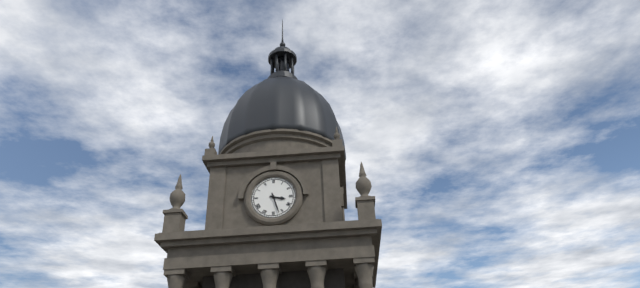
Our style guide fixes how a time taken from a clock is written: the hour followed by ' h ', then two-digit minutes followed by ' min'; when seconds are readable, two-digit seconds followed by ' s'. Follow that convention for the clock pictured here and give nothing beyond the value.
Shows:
3 h 27 min
